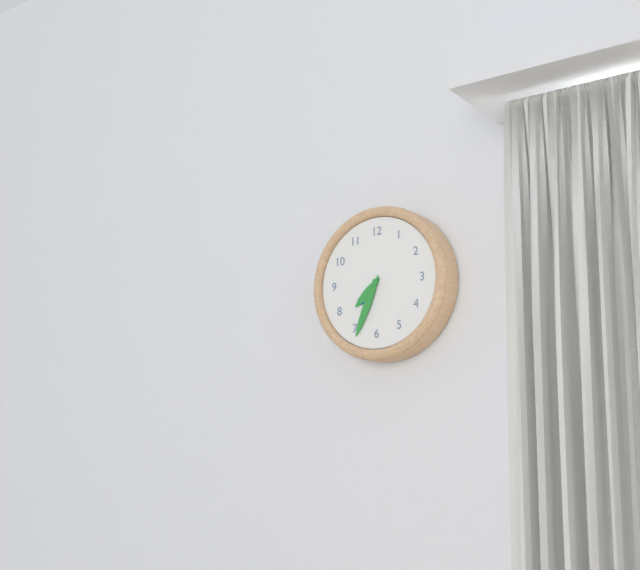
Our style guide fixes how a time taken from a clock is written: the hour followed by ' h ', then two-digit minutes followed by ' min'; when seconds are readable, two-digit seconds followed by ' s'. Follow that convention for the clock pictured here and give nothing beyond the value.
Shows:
7 h 34 min
